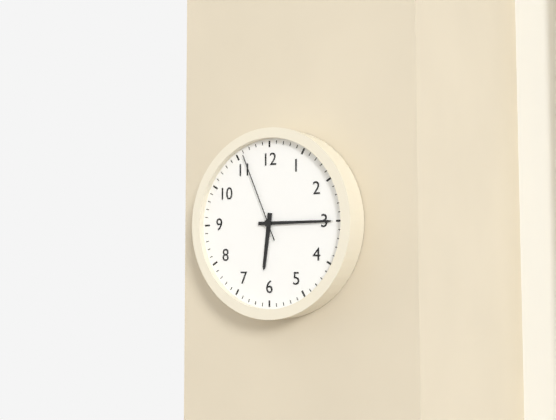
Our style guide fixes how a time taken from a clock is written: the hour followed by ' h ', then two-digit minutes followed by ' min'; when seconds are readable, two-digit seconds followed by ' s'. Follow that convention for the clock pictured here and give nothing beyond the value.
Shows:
6 h 15 min 56 s
